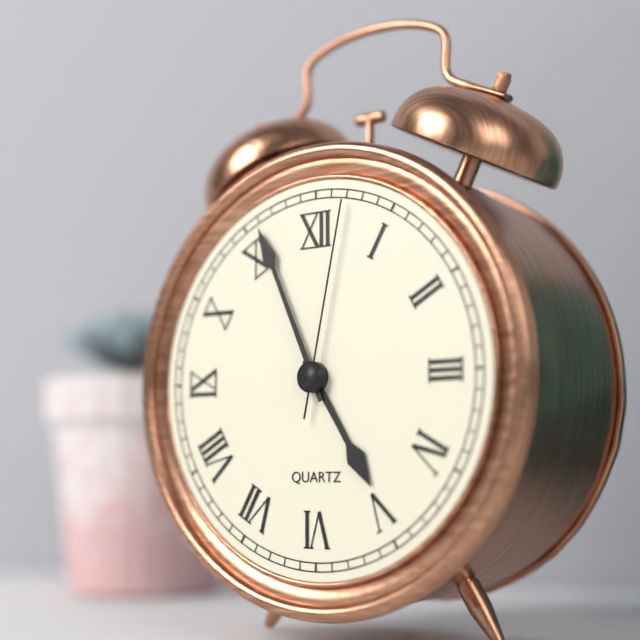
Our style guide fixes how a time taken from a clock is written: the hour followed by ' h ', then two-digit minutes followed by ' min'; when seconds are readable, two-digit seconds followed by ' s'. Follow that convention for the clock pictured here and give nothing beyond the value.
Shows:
4 h 56 min 02 s
